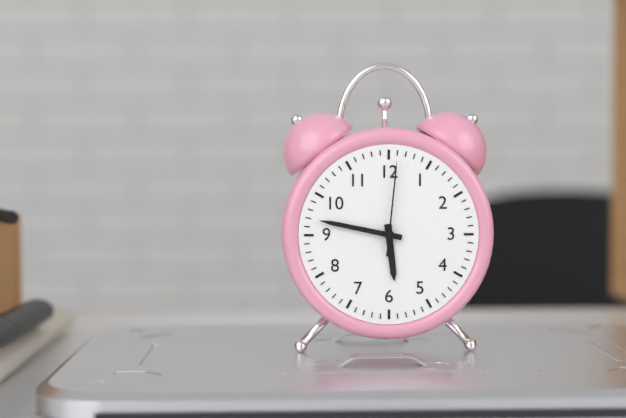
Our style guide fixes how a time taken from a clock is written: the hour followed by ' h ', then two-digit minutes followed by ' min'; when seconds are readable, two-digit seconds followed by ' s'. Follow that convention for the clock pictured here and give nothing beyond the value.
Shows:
5 h 47 min 01 s
